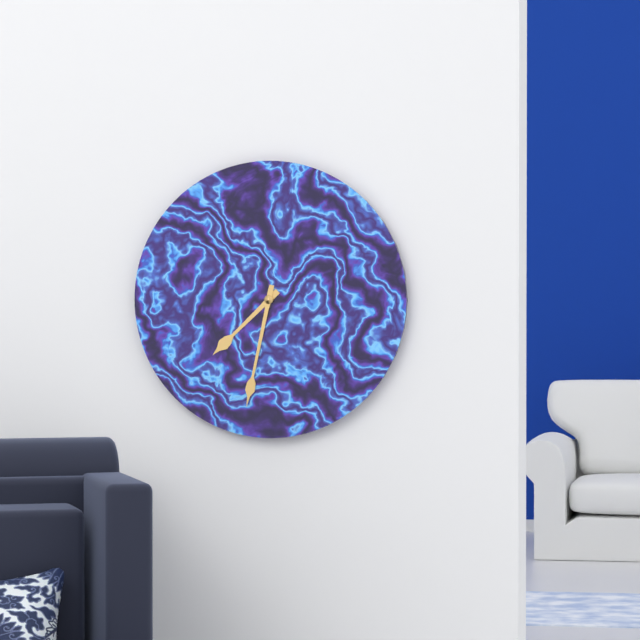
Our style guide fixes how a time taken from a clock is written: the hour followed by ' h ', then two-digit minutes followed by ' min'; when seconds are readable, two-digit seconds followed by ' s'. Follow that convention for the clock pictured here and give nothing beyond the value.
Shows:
7 h 32 min
